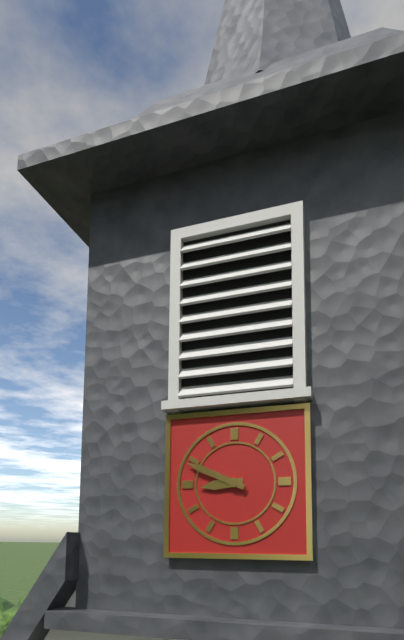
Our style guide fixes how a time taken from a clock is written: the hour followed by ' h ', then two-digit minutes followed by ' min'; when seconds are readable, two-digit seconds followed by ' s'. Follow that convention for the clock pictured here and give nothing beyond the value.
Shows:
8 h 49 min
